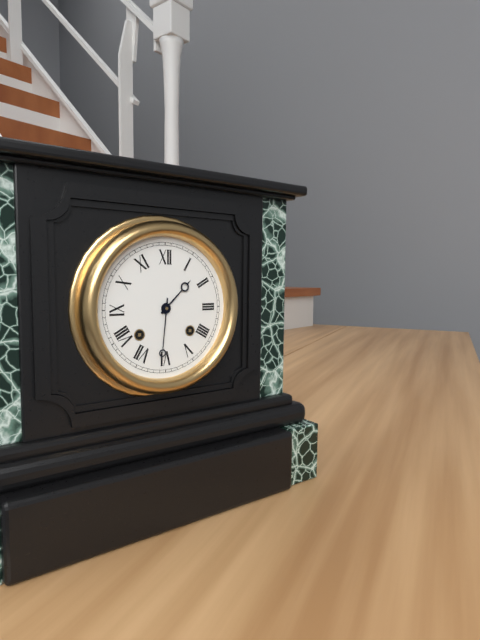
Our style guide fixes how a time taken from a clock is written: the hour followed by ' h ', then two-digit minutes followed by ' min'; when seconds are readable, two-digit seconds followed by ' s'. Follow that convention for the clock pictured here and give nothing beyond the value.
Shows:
1 h 31 min
